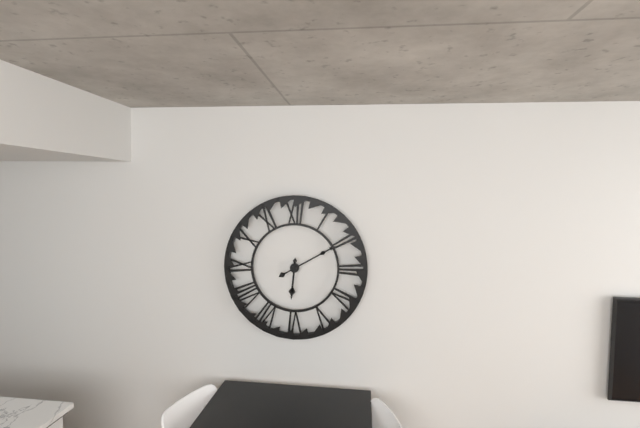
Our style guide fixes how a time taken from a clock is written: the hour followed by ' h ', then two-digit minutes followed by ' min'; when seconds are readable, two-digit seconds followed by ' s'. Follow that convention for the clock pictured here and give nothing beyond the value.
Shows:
6 h 10 min
